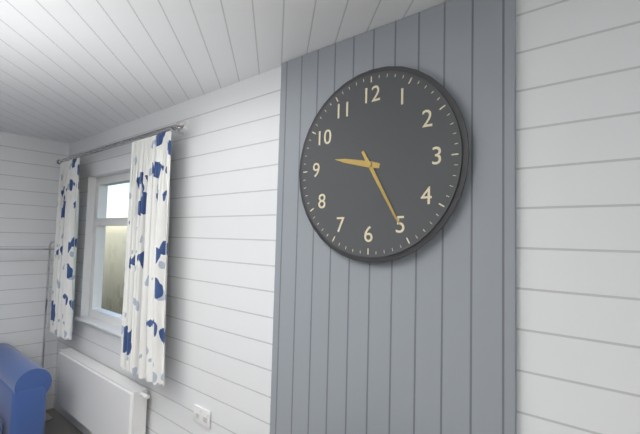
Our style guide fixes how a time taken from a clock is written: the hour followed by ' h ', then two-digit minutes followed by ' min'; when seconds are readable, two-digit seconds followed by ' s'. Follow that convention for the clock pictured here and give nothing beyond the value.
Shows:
9 h 25 min
